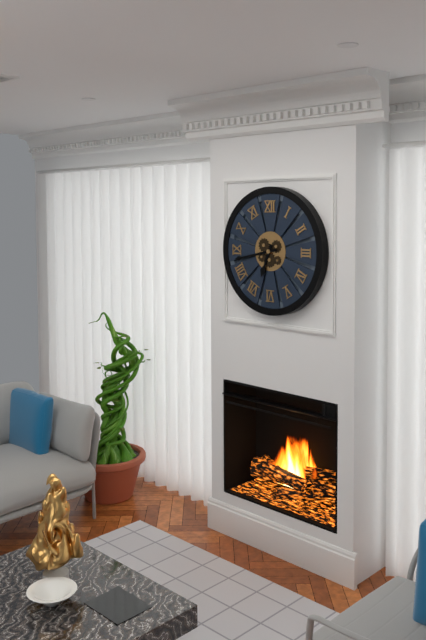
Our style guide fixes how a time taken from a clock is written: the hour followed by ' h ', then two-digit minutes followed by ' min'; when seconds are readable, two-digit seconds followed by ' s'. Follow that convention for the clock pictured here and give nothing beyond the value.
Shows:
6 h 43 min
